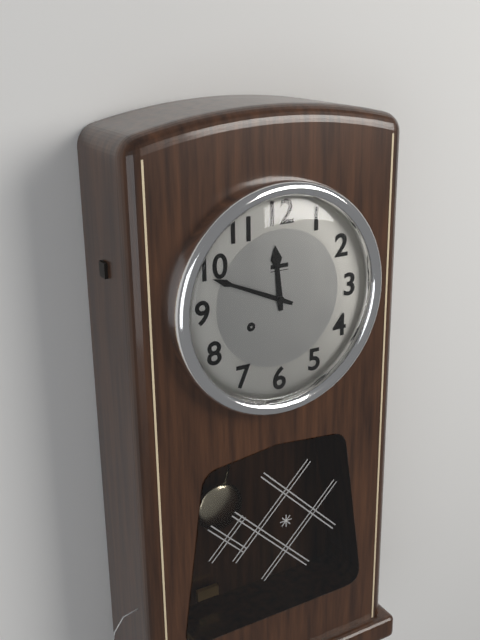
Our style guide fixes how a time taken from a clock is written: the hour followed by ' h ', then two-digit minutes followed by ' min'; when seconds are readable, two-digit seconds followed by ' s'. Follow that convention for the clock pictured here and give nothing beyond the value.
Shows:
11 h 49 min
